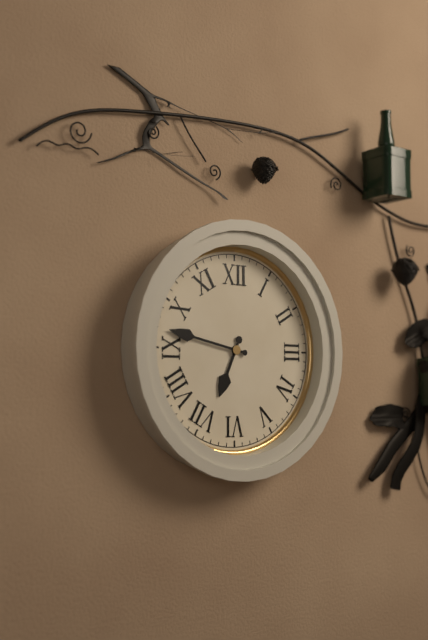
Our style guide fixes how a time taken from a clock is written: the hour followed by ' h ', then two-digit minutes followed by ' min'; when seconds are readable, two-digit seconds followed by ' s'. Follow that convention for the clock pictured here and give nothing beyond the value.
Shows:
6 h 47 min
